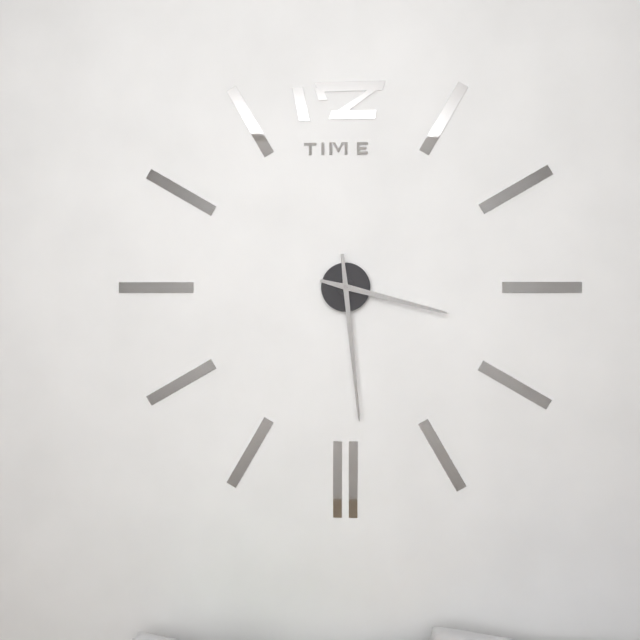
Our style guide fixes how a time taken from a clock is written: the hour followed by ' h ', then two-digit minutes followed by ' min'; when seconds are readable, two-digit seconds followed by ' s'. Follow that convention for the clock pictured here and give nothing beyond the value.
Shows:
3 h 29 min
